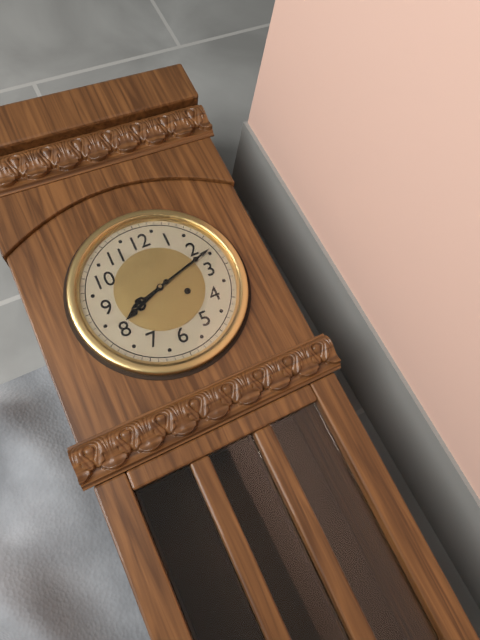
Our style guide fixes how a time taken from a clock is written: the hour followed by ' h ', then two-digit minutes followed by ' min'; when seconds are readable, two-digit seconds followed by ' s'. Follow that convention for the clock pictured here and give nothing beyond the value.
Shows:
8 h 12 min
